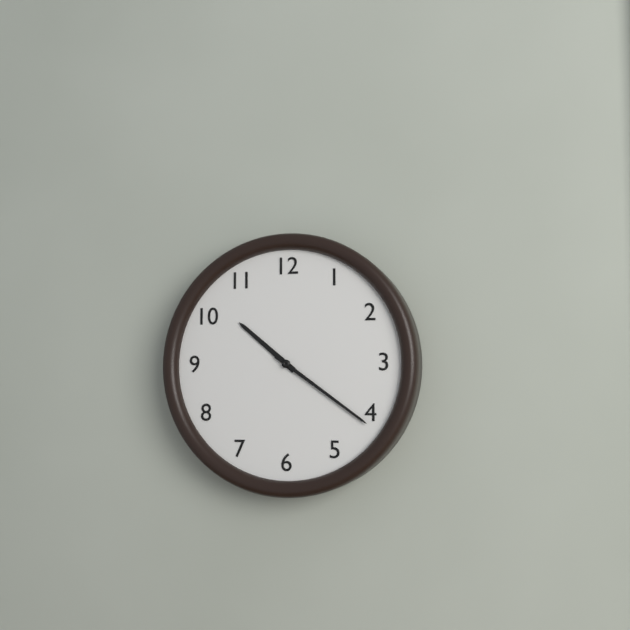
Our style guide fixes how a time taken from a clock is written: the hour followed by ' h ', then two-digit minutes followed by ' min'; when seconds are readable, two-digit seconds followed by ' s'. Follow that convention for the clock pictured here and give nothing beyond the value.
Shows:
10 h 21 min
